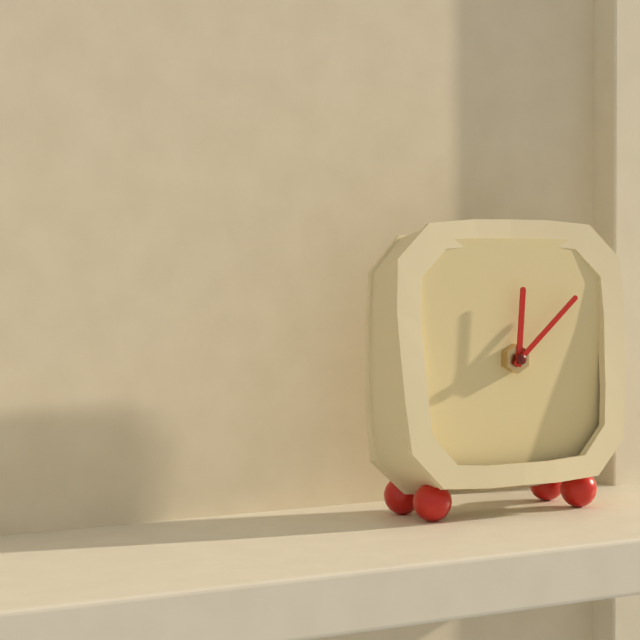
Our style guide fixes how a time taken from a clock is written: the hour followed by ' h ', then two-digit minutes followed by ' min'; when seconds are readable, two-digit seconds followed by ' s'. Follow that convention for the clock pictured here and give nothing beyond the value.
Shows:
12 h 08 min
